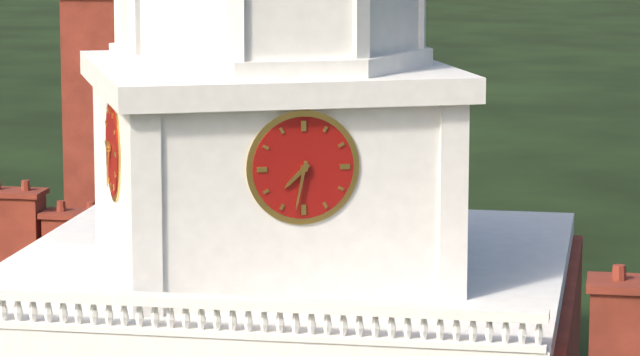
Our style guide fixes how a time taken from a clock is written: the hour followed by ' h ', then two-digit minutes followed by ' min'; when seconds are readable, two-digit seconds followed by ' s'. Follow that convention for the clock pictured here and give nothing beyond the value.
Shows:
7 h 32 min
